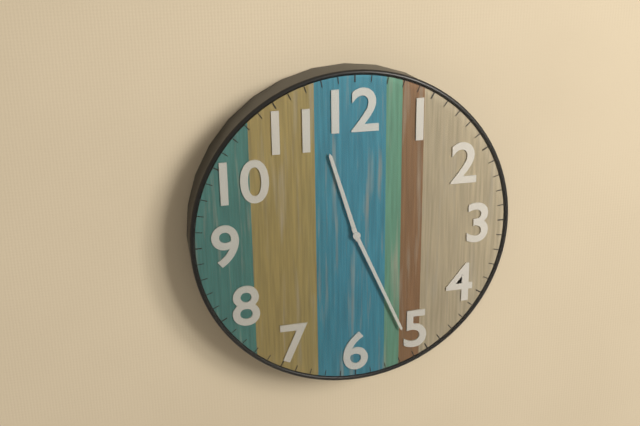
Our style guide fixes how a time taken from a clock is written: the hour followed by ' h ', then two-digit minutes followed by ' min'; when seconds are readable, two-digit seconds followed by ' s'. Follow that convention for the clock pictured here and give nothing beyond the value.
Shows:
11 h 26 min
